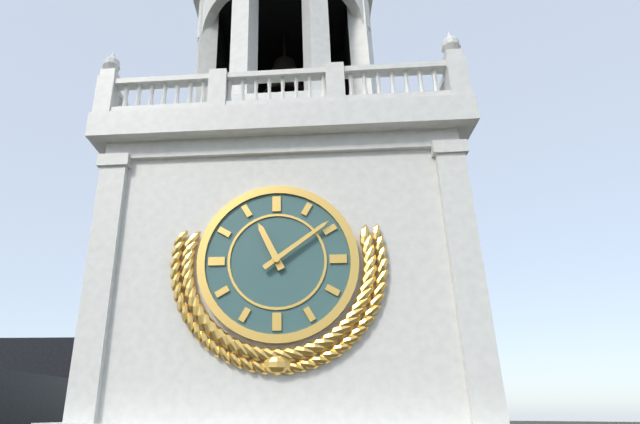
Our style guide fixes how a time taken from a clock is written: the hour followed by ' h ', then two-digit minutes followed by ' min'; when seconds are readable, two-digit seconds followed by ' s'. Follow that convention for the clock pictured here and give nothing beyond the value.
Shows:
11 h 09 min
